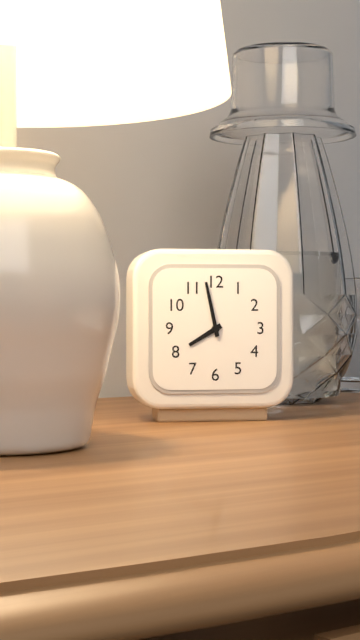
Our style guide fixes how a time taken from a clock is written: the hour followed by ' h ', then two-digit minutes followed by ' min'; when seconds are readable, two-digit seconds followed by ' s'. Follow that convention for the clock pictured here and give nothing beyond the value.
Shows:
7 h 58 min
